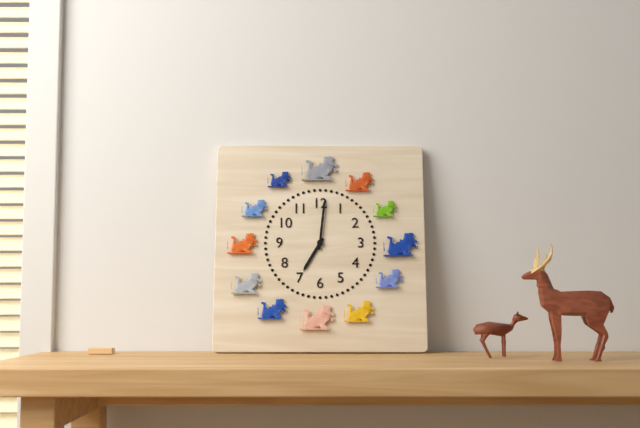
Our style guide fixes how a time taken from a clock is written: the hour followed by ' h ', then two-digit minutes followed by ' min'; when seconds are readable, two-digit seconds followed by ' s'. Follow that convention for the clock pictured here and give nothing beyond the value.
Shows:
7 h 01 min
